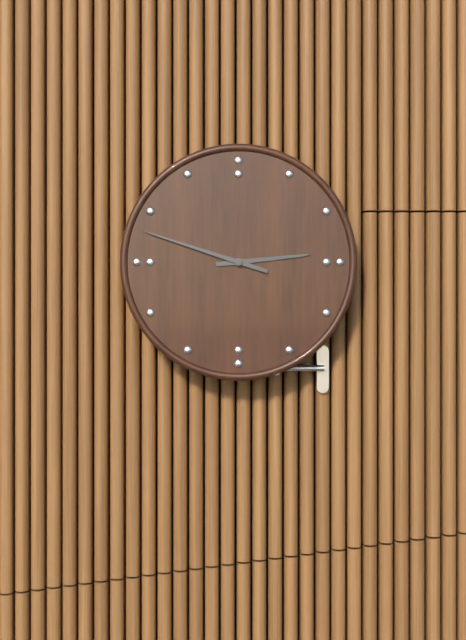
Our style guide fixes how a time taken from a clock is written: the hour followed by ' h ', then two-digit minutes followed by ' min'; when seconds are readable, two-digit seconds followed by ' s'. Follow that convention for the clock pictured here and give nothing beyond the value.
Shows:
2 h 48 min
